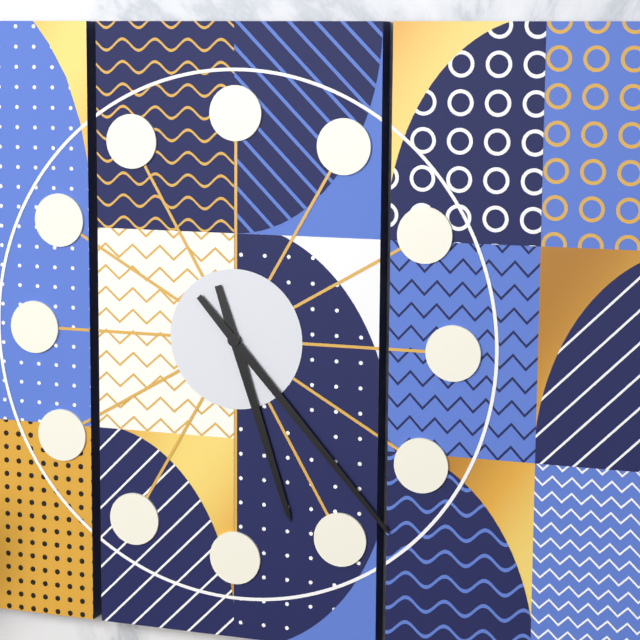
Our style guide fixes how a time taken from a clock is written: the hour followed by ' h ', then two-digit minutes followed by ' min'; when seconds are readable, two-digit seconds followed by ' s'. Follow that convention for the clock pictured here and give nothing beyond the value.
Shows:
5 h 23 min
